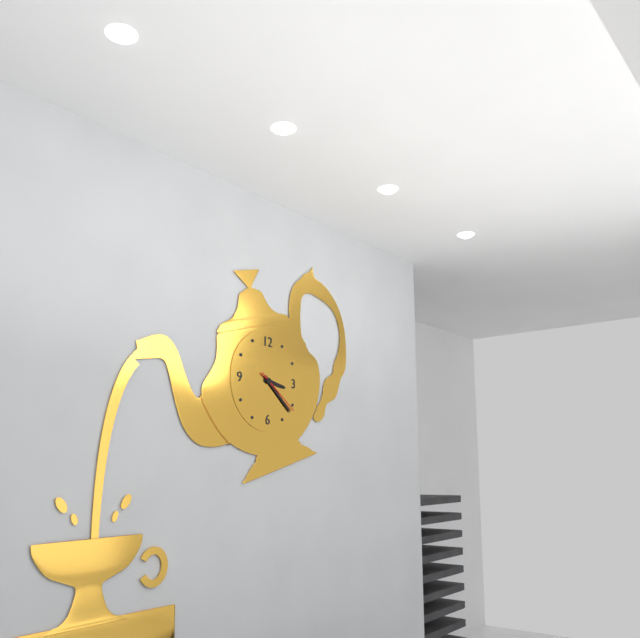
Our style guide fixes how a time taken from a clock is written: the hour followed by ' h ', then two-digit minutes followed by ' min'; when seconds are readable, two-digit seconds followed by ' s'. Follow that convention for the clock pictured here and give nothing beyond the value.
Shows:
3 h 22 min
